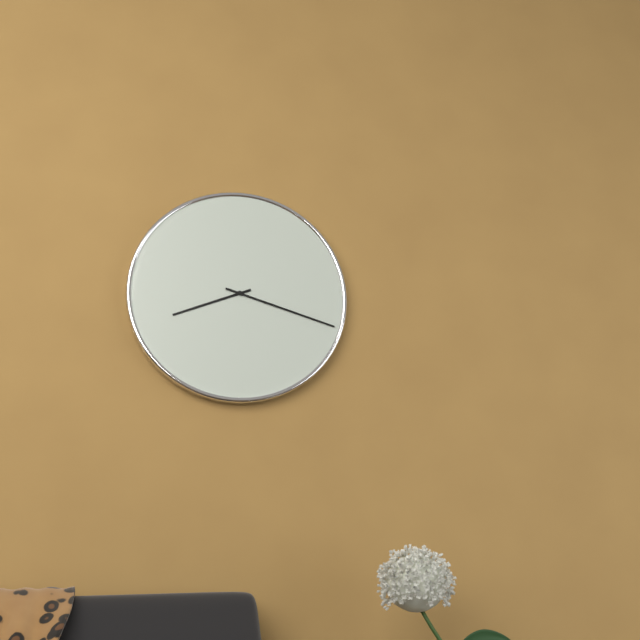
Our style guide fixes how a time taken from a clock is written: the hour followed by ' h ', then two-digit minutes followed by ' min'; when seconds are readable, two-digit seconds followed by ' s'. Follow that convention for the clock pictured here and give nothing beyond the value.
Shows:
8 h 18 min
